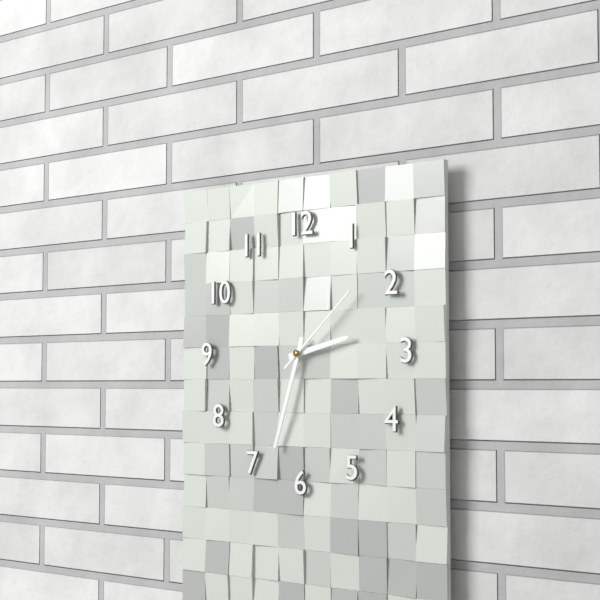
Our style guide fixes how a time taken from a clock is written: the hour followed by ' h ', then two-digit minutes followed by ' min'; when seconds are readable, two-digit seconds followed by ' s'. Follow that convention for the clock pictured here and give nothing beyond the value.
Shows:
2 h 33 min 08 s
